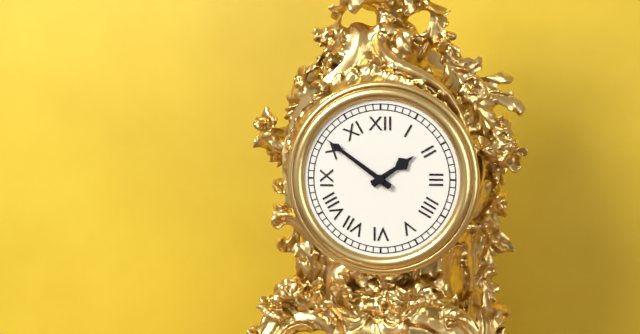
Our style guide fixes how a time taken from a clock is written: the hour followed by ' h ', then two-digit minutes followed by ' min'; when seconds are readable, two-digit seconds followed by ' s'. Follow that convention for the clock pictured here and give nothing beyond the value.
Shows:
1 h 51 min
